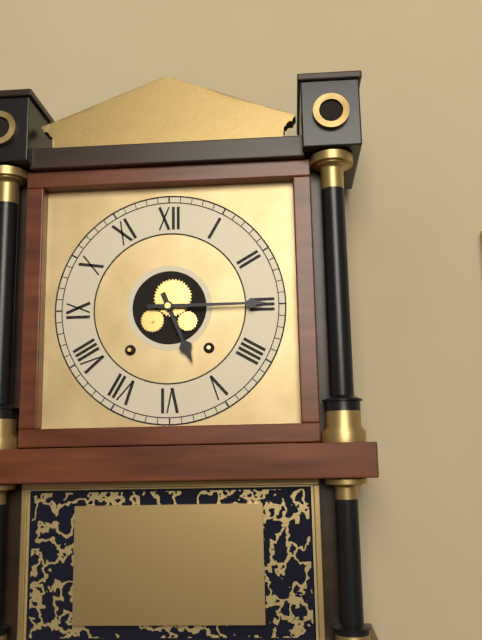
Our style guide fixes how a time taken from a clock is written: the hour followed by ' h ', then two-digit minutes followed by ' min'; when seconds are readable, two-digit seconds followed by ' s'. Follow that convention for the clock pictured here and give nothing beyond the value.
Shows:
5 h 15 min
